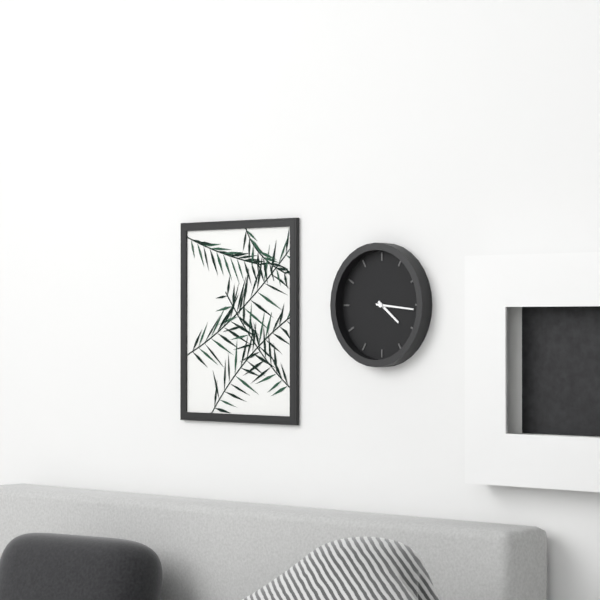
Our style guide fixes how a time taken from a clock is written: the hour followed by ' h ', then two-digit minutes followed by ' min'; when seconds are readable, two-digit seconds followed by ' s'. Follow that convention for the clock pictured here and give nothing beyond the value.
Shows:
4 h 16 min
